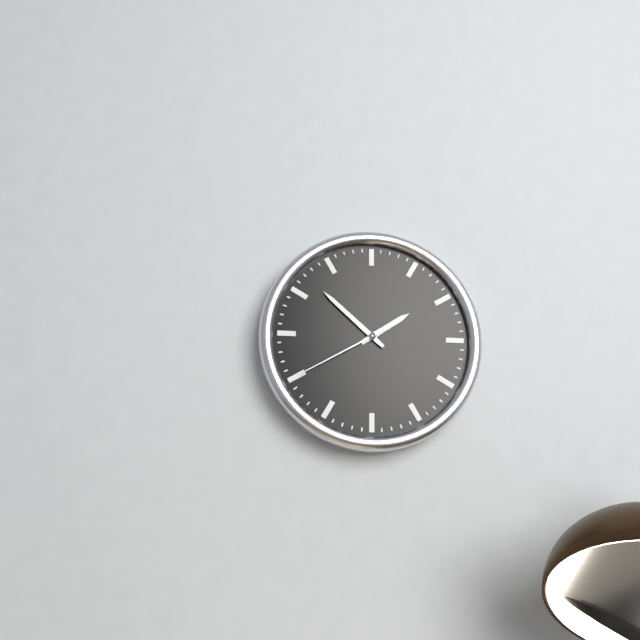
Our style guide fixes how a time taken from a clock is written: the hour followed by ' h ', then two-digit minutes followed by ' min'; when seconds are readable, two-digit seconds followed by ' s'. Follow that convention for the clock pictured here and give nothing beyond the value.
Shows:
1 h 52 min 40 s
